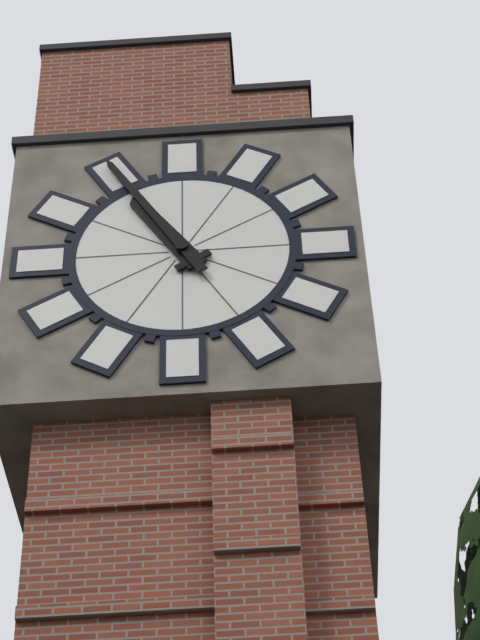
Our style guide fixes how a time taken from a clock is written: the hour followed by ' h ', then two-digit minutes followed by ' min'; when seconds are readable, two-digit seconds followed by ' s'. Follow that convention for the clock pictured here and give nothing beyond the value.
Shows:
10 h 55 min
